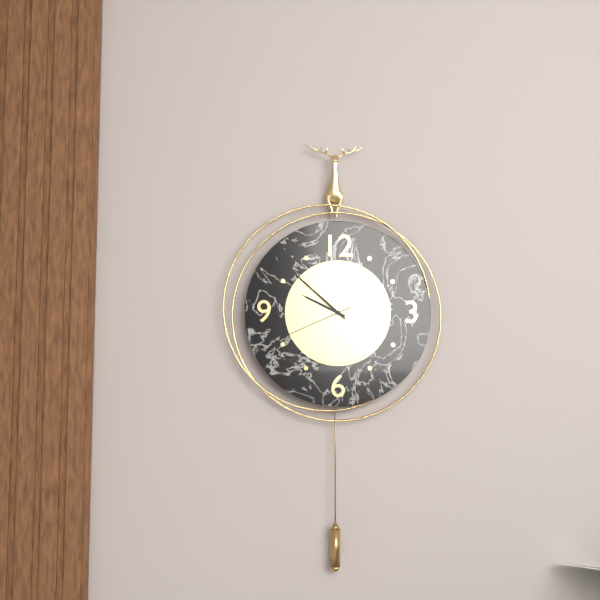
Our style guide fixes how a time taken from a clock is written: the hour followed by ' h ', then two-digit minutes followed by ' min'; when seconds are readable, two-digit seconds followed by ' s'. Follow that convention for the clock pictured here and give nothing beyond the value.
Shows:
9 h 52 min 41 s
